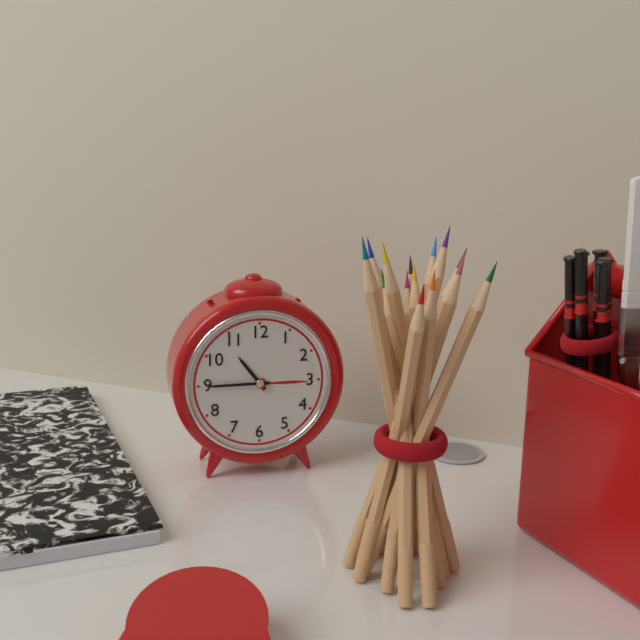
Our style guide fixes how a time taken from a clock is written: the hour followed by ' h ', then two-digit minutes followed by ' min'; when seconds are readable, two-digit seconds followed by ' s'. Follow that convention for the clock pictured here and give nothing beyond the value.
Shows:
10 h 45 min
